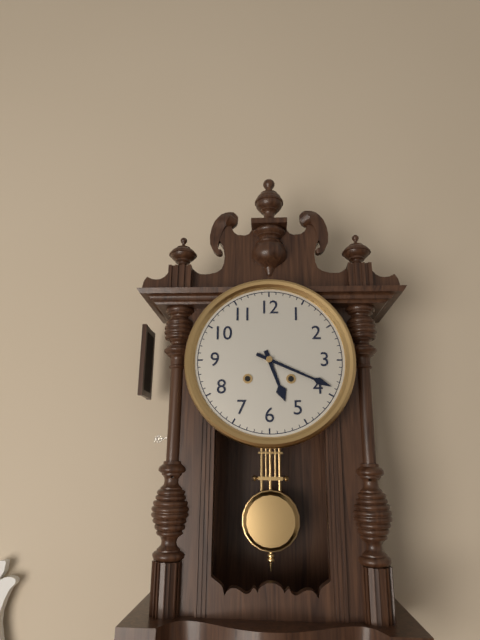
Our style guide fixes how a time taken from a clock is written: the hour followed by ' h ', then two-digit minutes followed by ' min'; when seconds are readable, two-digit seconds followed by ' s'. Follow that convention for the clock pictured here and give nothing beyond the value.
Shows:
5 h 19 min
